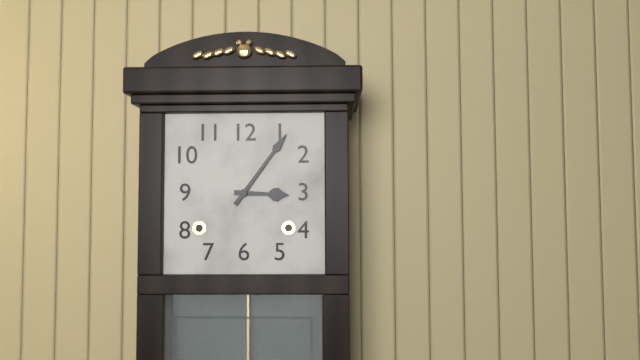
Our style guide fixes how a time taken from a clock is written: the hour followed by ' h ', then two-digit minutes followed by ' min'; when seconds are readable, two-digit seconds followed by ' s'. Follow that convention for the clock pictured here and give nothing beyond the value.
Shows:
3 h 06 min
